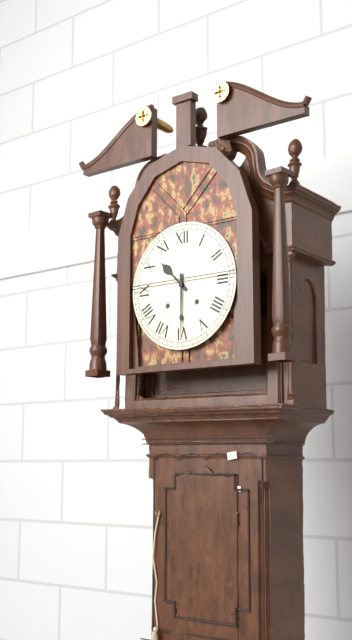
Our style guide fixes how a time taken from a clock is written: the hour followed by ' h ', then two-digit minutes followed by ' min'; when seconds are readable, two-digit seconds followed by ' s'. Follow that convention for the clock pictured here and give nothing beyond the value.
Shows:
10 h 30 min
